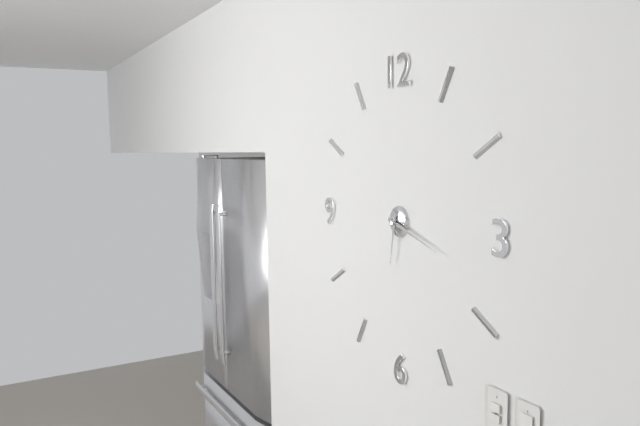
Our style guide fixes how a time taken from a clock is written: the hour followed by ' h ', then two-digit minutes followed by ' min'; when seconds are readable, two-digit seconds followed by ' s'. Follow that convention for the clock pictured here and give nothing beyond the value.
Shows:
6 h 18 min
